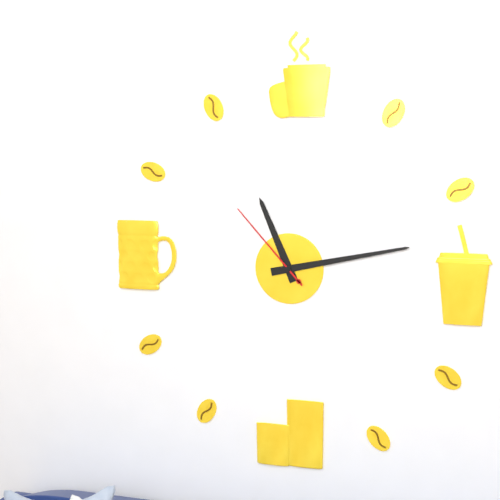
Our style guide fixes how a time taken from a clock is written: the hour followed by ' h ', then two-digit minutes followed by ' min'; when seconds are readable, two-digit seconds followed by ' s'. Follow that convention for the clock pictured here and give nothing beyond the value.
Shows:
11 h 13 min 53 s
